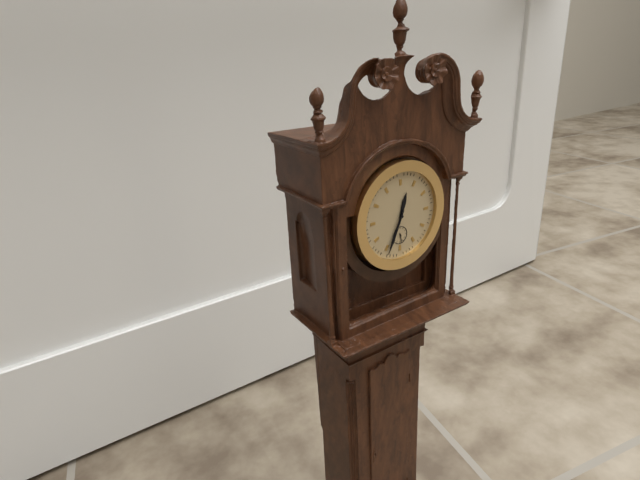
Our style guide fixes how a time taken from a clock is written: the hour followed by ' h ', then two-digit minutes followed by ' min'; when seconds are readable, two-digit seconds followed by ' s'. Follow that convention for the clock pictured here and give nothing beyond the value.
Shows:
12 h 34 min
